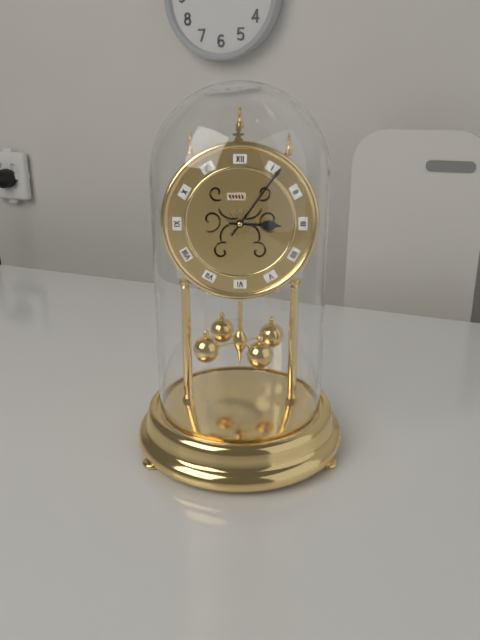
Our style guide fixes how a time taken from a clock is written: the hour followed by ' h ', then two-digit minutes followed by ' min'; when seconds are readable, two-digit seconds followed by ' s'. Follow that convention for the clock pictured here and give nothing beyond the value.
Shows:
3 h 06 min
